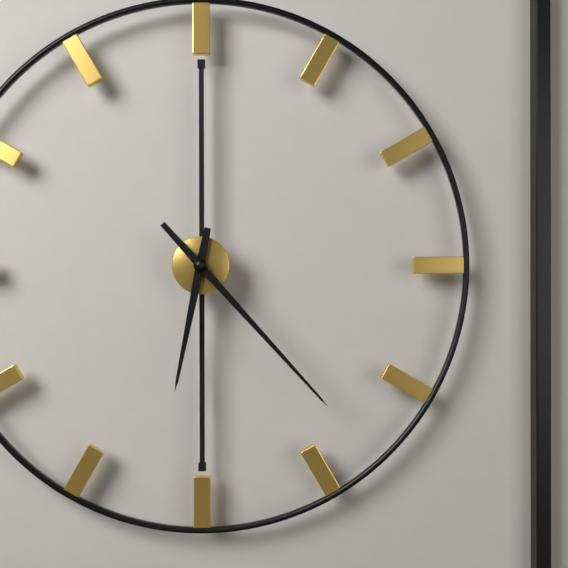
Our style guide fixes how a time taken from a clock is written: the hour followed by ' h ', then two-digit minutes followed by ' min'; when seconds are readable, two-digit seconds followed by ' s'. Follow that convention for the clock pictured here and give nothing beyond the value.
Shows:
6 h 23 min
